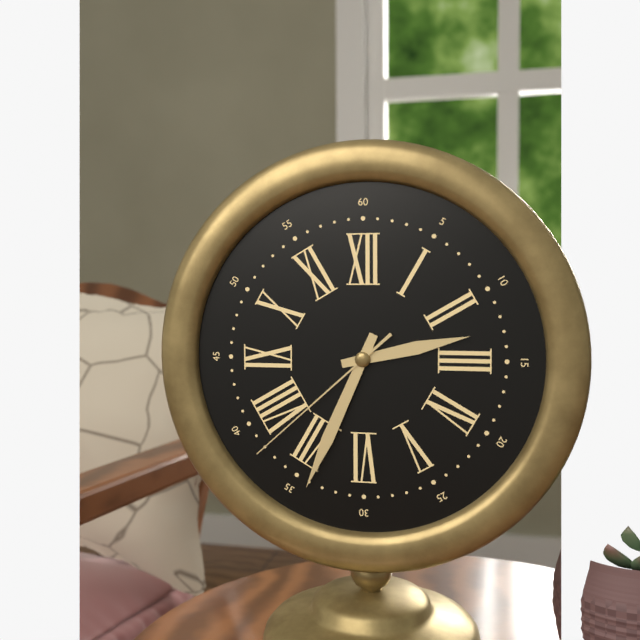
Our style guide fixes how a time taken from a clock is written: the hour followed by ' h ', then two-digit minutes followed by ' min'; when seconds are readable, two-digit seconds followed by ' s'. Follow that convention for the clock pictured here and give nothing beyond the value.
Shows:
2 h 34 min 38 s
